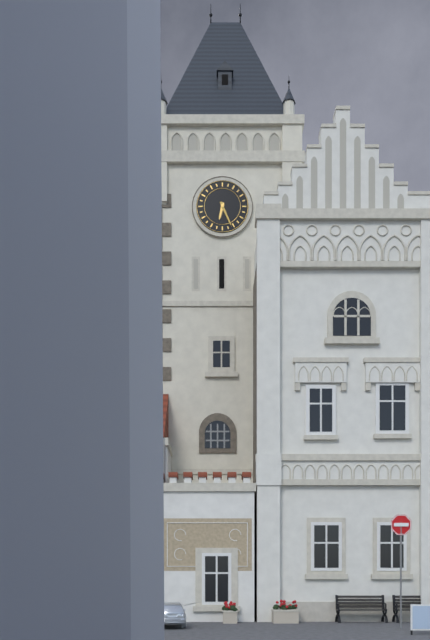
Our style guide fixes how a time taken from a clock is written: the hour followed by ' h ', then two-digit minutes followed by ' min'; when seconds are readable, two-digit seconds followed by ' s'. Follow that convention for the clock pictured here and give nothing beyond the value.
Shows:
6 h 26 min
